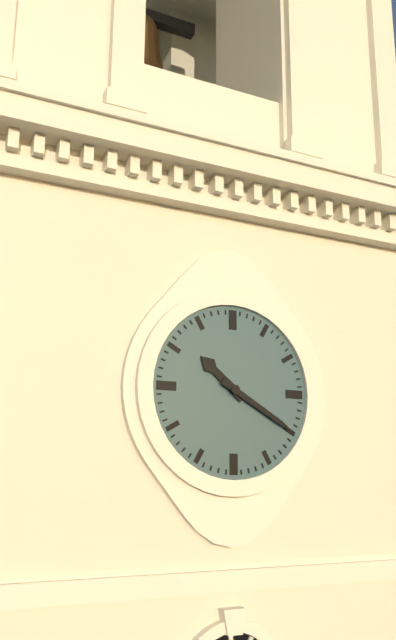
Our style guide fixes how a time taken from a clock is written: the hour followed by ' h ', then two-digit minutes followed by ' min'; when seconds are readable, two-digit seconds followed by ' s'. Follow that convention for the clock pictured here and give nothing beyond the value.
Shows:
10 h 20 min
